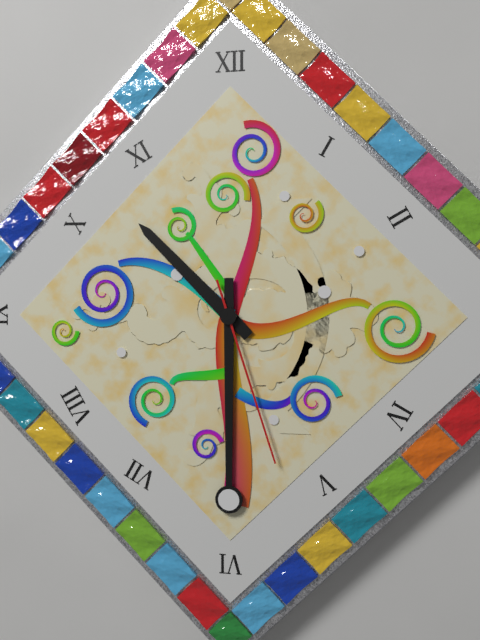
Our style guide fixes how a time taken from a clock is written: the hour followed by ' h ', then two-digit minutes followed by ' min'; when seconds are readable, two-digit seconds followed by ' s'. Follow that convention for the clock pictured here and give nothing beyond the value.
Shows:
10 h 30 min 27 s
